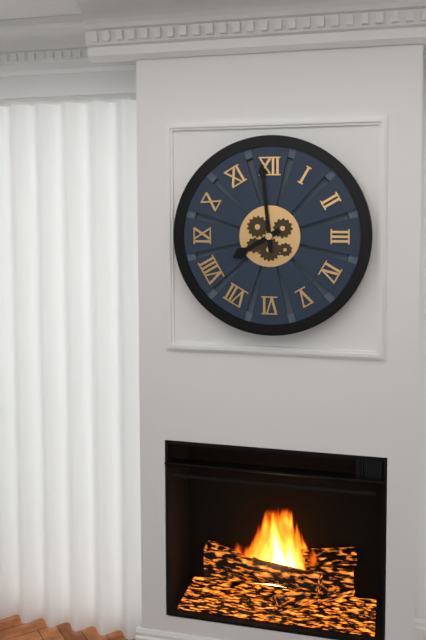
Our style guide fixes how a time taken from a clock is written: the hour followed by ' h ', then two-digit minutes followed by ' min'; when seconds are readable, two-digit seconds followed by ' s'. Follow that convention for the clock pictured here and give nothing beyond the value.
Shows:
7 h 59 min
